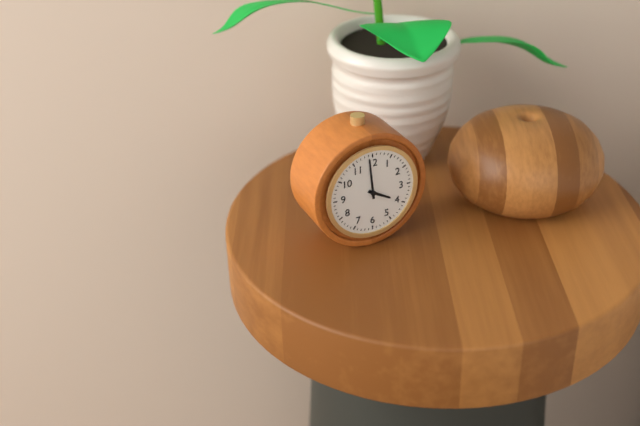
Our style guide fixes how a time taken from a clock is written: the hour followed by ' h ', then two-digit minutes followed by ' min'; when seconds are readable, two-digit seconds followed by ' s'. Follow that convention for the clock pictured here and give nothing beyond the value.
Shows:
3 h 59 min
